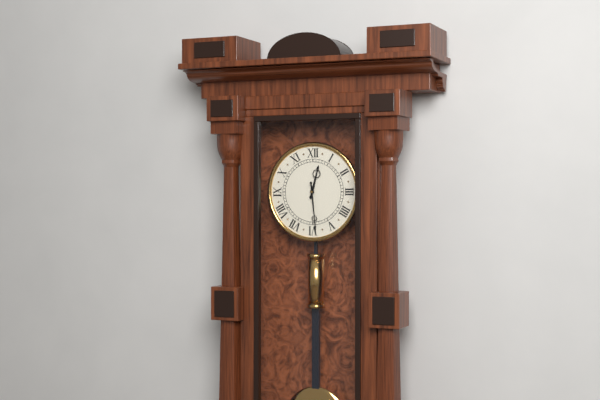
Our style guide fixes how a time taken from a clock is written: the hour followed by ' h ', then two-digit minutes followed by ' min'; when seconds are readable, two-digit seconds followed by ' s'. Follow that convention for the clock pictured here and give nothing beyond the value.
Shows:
12 h 29 min
